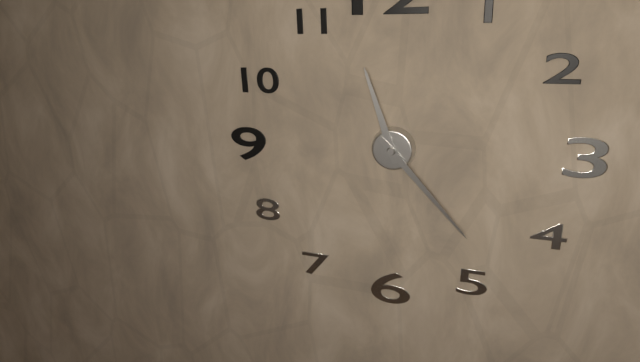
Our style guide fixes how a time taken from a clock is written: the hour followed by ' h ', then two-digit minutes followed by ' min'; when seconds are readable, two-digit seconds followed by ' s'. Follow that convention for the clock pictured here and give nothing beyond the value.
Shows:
11 h 23 min
